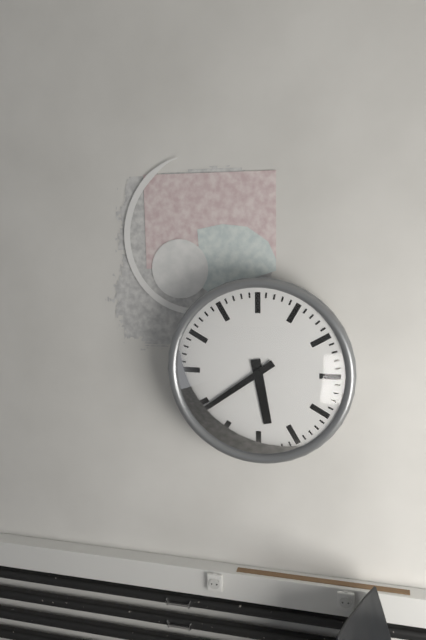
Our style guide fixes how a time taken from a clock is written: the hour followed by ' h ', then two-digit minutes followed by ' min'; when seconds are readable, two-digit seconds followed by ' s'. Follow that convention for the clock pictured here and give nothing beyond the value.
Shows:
5 h 39 min
